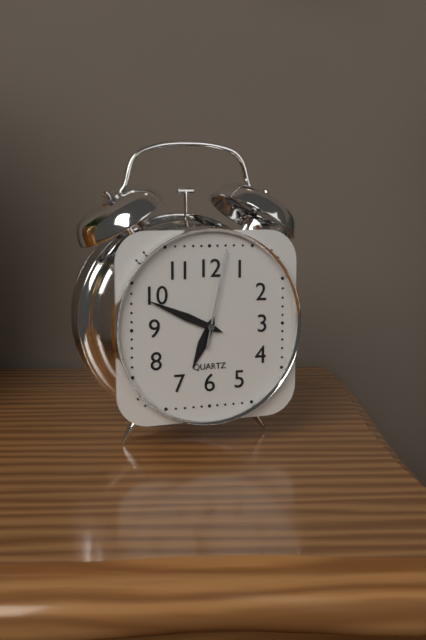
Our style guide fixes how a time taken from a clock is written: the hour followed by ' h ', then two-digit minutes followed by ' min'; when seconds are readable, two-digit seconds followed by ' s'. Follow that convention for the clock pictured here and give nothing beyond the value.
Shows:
6 h 49 min 02 s
